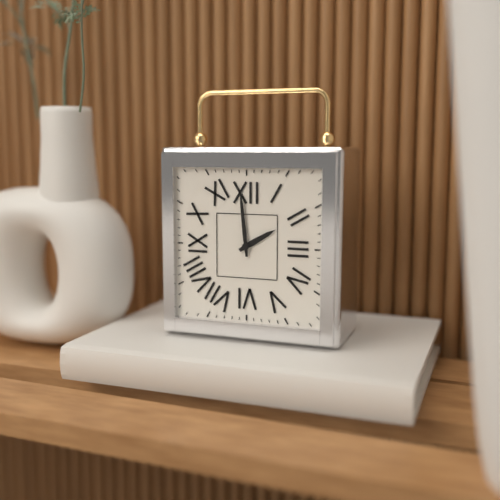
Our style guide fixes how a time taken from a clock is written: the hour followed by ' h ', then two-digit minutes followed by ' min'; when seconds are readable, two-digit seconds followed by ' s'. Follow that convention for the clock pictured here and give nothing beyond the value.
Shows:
1 h 59 min
